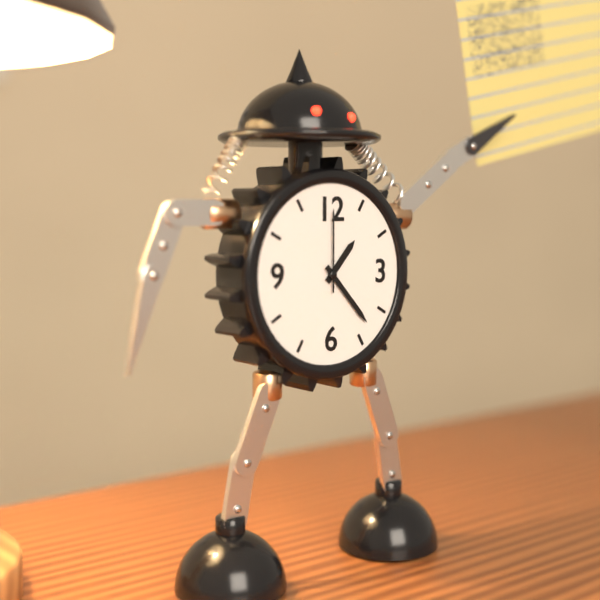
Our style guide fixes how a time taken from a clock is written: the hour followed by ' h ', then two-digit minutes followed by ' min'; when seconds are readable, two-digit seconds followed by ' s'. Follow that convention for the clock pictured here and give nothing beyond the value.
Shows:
1 h 23 min 00 s
